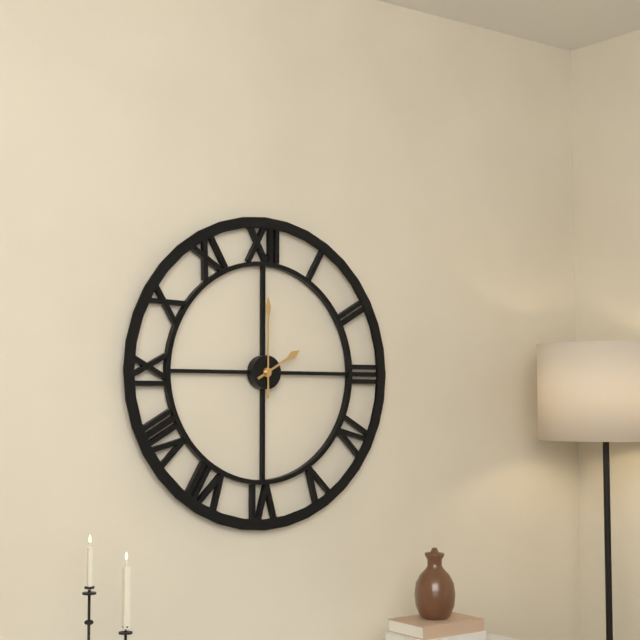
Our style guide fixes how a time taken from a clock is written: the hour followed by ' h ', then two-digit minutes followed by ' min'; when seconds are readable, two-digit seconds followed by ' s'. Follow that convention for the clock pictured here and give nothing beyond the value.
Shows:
2 h 00 min
